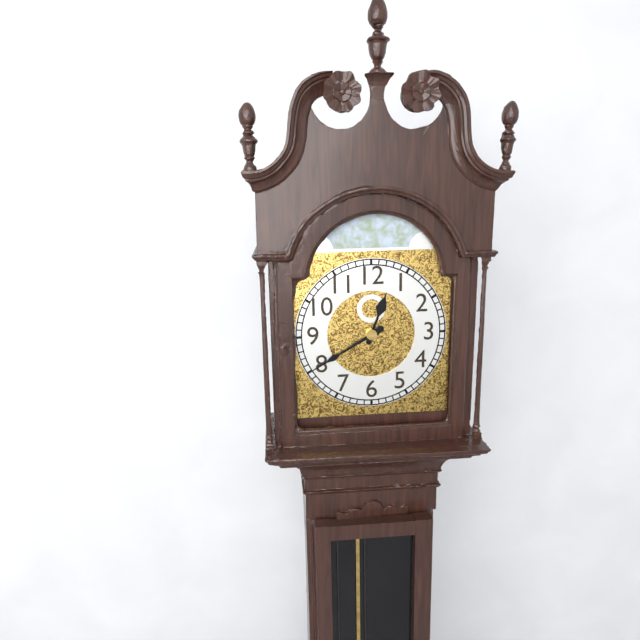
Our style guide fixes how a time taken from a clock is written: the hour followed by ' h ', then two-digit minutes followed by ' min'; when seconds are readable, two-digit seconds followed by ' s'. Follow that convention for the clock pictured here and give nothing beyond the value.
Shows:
12 h 40 min
